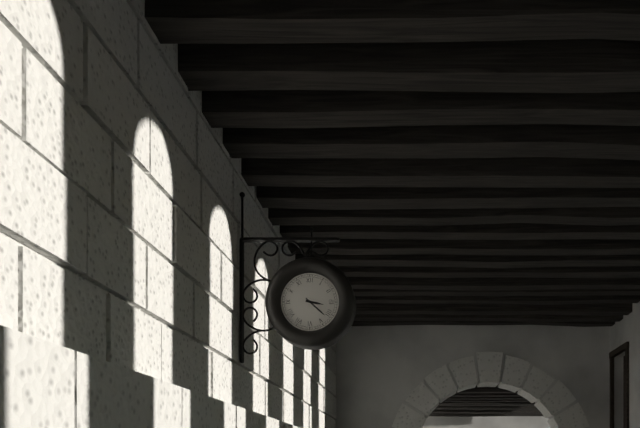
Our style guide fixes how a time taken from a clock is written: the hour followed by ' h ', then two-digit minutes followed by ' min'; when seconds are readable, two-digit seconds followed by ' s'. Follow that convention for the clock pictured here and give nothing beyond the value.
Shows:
3 h 22 min
